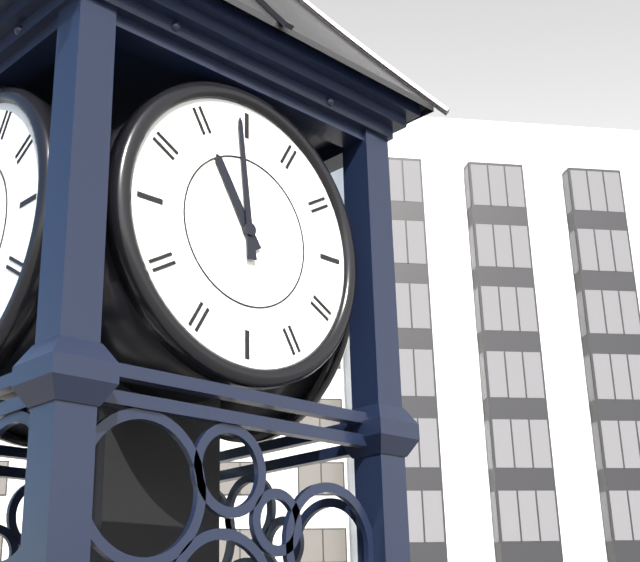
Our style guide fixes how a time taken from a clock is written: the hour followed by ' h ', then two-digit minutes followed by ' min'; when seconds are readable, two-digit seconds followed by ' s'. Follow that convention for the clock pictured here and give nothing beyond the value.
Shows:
10 h 59 min
